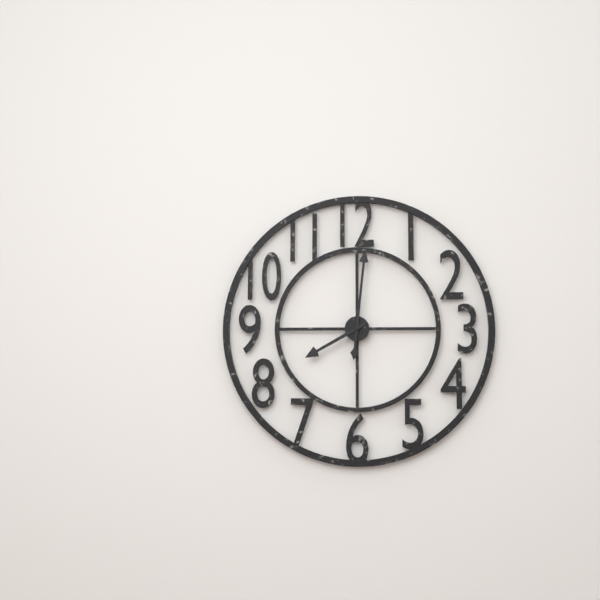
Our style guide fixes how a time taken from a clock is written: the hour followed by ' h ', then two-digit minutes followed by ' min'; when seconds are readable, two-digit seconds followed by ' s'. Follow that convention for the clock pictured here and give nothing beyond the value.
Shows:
8 h 01 min
